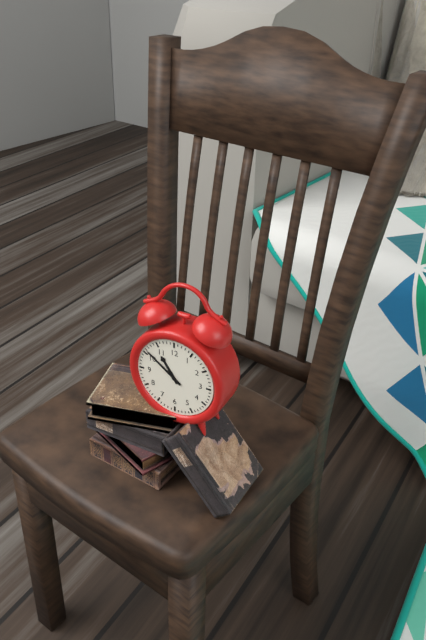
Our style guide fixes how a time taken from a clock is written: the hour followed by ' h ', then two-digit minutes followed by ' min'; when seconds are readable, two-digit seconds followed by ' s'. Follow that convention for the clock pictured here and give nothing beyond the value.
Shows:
10 h 51 min
